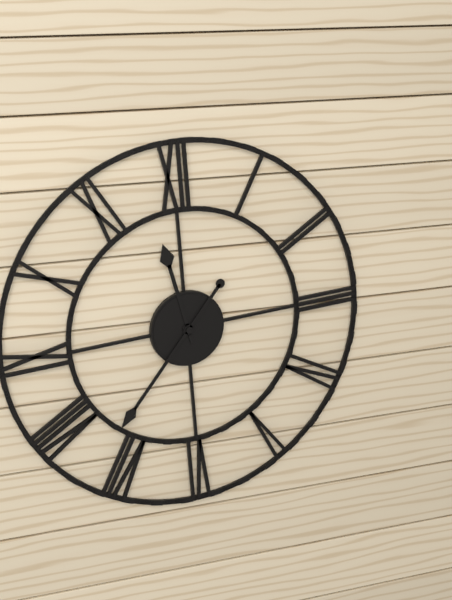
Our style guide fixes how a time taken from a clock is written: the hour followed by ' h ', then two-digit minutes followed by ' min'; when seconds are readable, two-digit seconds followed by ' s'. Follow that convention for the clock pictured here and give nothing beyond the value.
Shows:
11 h 37 min
